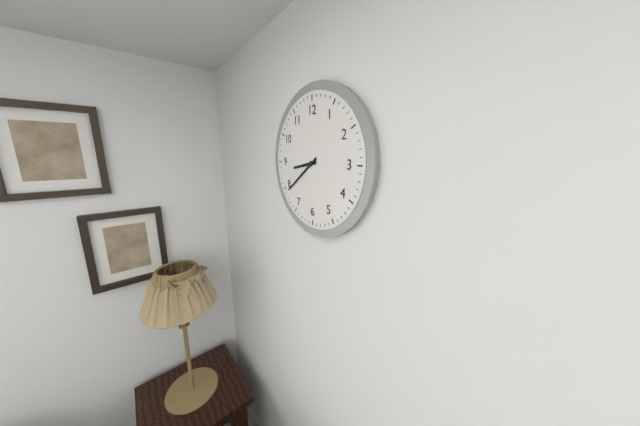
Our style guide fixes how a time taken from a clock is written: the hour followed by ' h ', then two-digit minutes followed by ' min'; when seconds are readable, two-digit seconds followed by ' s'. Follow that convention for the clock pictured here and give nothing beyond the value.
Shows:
8 h 39 min
